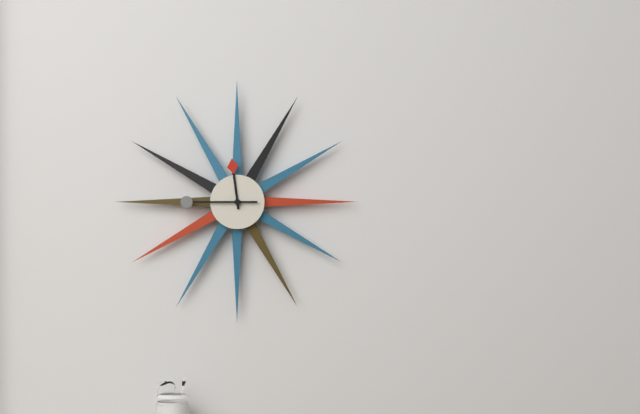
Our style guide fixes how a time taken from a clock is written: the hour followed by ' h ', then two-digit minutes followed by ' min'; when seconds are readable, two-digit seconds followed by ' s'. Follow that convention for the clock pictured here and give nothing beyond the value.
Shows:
11 h 45 min
